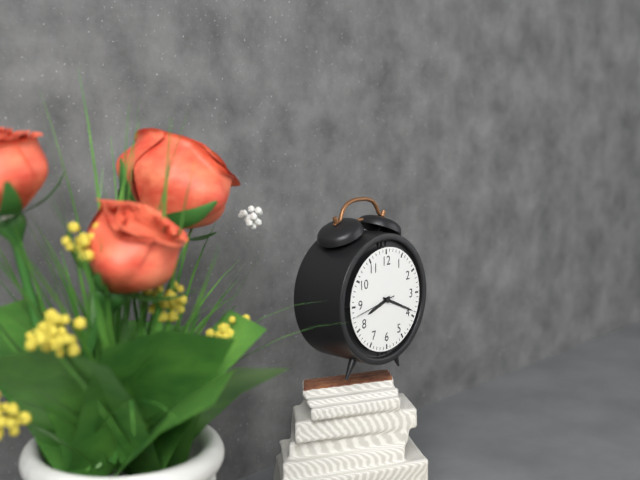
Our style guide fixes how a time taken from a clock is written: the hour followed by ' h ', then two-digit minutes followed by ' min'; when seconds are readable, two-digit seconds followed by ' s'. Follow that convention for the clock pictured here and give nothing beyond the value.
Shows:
8 h 19 min
